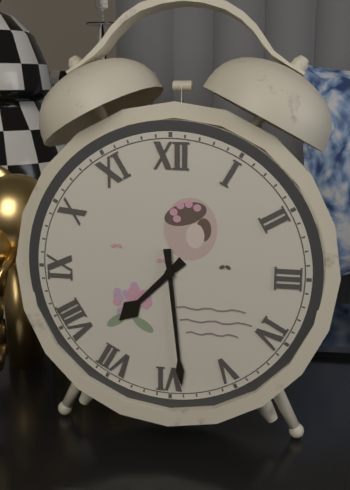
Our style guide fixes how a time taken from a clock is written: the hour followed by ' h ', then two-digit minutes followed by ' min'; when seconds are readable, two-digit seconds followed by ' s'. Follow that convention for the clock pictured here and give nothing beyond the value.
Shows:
7 h 29 min
